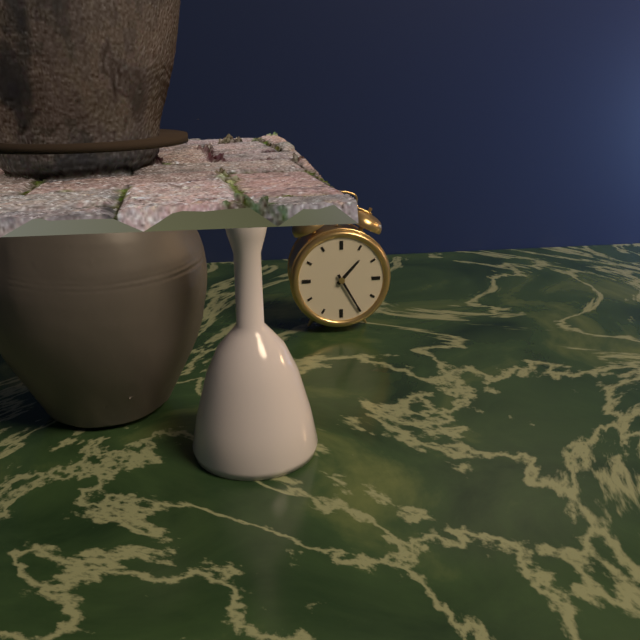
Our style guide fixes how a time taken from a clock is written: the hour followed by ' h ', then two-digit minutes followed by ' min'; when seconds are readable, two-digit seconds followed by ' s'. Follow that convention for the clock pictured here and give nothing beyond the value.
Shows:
1 h 25 min
